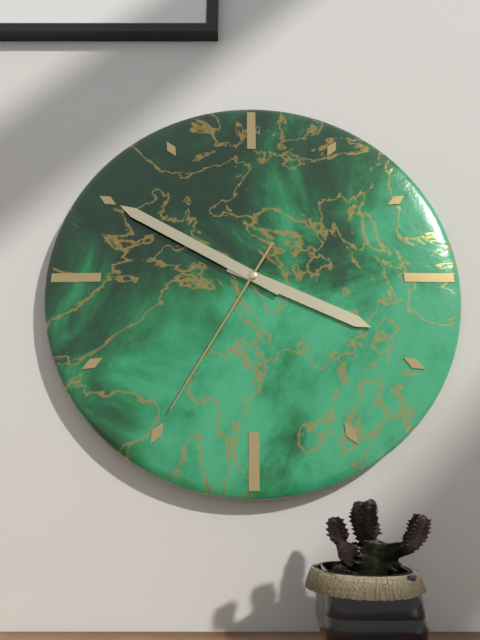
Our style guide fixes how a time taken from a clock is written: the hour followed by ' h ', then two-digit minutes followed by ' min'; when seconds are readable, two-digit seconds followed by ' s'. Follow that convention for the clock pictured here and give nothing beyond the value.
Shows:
3 h 50 min 35 s
